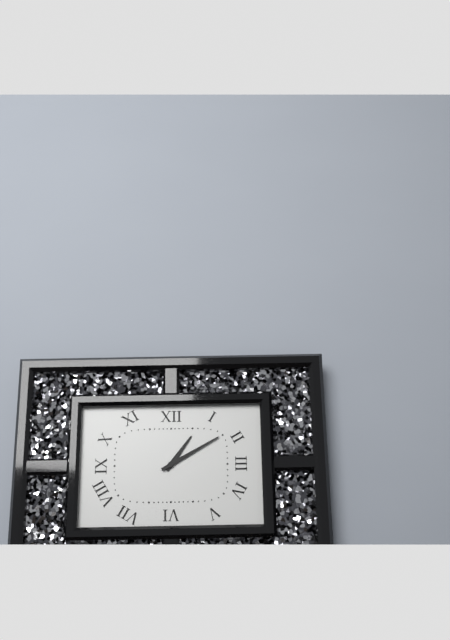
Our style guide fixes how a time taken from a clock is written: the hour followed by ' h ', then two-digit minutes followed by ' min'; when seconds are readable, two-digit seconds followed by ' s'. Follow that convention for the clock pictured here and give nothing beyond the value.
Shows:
1 h 10 min
